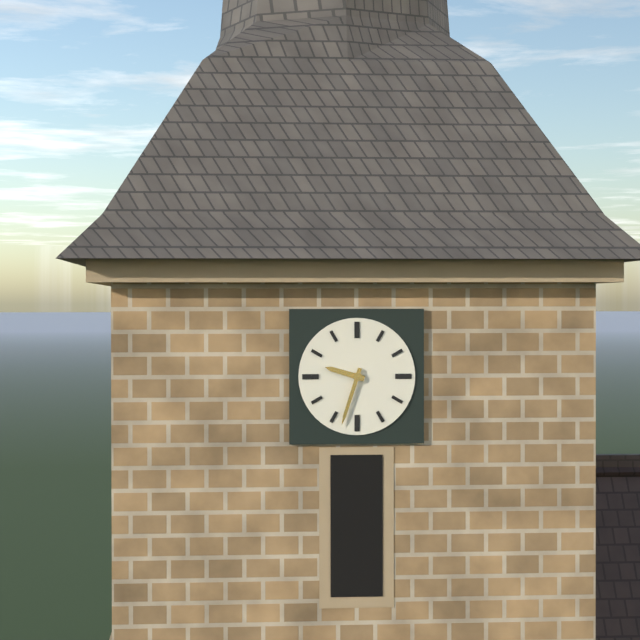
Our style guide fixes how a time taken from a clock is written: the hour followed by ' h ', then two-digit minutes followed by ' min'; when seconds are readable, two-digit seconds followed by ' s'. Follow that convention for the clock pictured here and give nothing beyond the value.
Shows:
9 h 33 min
